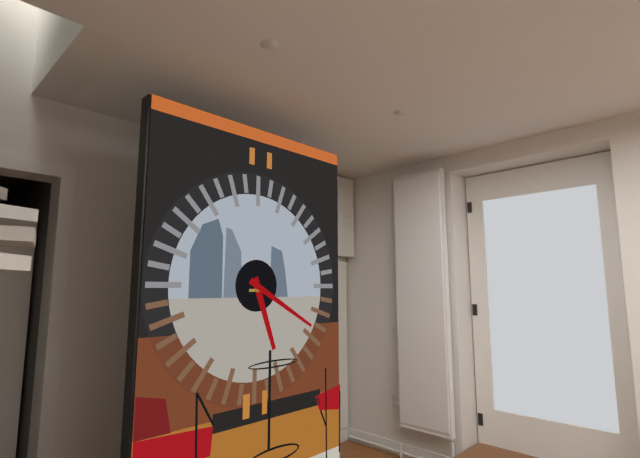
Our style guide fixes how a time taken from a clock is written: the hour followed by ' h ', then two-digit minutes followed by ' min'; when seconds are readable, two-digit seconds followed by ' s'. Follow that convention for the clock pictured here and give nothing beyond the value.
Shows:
5 h 20 min
